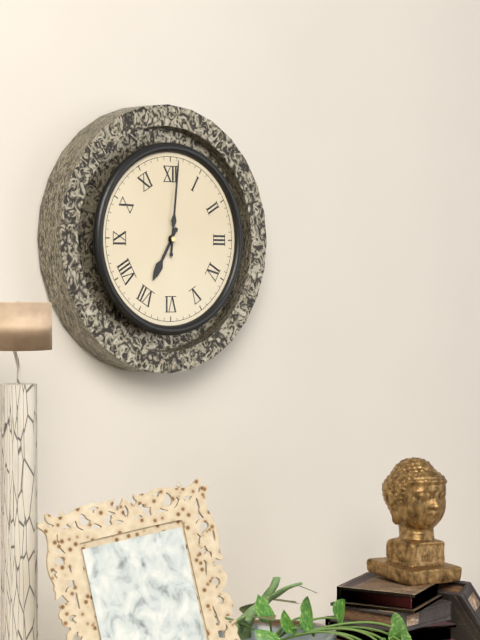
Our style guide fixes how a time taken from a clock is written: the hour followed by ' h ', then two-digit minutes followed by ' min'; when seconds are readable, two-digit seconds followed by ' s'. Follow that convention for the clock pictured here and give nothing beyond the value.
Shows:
7 h 01 min
